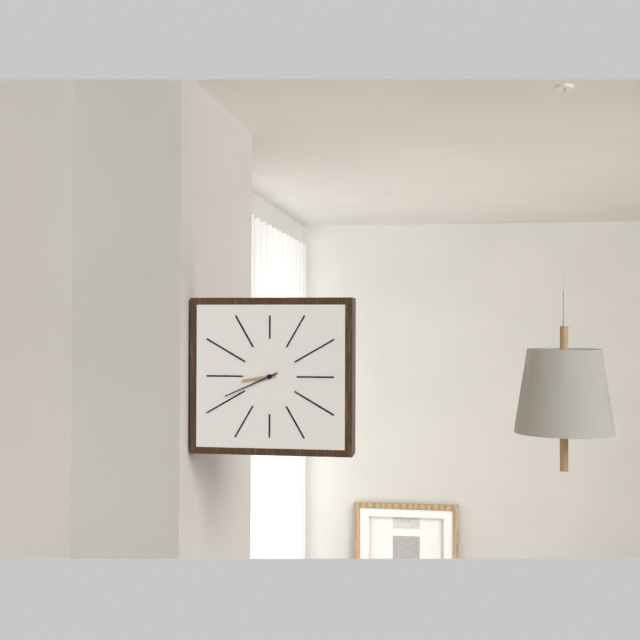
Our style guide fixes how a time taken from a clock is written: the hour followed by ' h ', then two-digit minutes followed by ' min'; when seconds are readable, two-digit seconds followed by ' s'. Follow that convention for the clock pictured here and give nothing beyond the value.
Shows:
8 h 41 min
